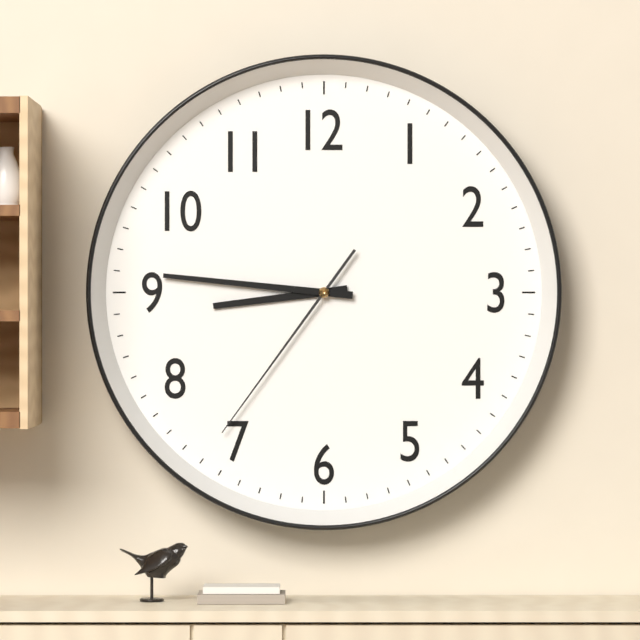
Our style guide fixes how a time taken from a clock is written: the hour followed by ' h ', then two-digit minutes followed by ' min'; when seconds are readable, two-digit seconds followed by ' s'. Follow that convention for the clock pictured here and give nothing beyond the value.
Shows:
8 h 46 min 36 s
